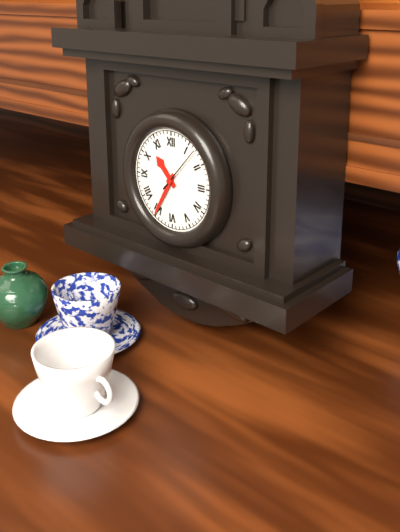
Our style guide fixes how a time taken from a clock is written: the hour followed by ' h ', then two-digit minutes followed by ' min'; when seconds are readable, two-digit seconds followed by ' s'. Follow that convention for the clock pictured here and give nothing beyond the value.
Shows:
10 h 35 min
